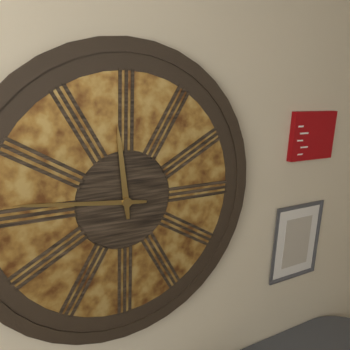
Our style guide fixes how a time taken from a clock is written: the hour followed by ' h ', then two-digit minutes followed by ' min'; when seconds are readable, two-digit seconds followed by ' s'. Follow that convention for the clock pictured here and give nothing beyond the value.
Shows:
11 h 46 min
